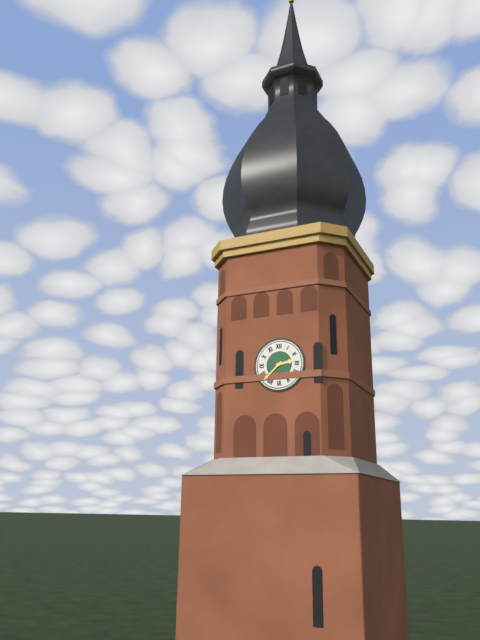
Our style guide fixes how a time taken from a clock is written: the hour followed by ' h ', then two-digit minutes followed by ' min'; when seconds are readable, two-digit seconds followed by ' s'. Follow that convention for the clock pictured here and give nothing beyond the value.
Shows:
2 h 38 min
